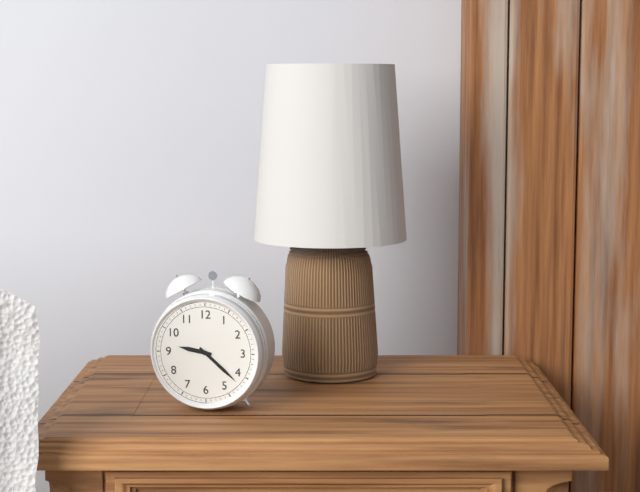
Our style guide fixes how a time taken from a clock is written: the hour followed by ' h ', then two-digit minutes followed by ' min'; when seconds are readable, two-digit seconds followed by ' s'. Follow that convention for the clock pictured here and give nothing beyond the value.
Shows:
9 h 22 min
